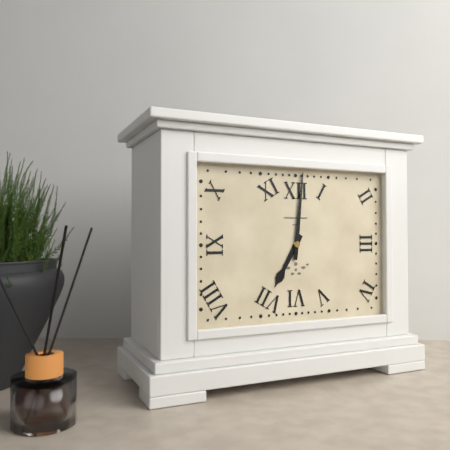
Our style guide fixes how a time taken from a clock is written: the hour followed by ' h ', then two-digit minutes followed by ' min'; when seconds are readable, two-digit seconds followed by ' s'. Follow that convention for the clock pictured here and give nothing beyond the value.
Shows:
7 h 01 min
